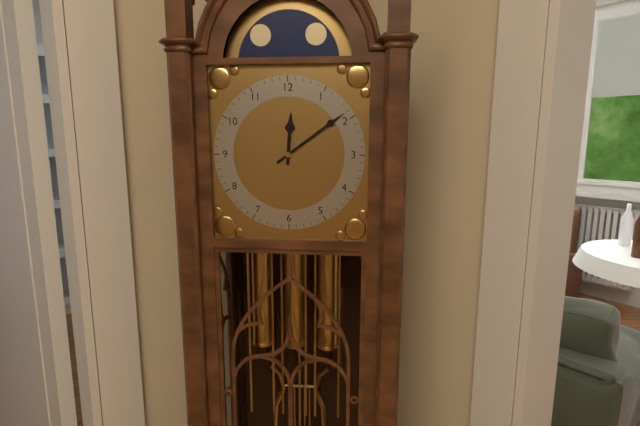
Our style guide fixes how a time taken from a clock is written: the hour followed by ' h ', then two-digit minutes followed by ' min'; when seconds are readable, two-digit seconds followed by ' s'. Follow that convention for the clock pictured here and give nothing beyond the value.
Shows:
12 h 09 min
